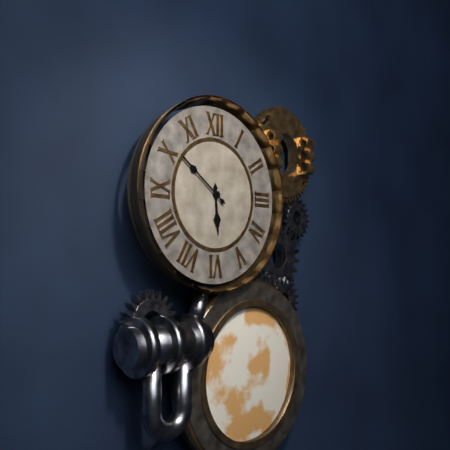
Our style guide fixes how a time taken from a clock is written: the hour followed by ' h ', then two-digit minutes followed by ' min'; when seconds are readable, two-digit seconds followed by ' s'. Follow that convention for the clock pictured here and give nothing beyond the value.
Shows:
5 h 51 min
